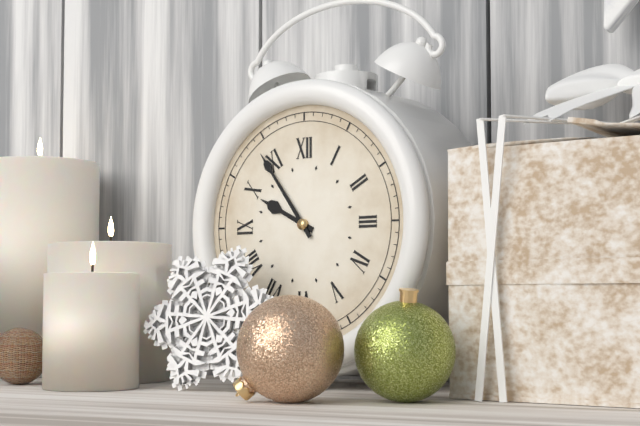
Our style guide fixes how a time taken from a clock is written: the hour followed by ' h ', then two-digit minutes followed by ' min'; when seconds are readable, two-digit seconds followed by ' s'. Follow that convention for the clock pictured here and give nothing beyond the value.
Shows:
9 h 54 min
